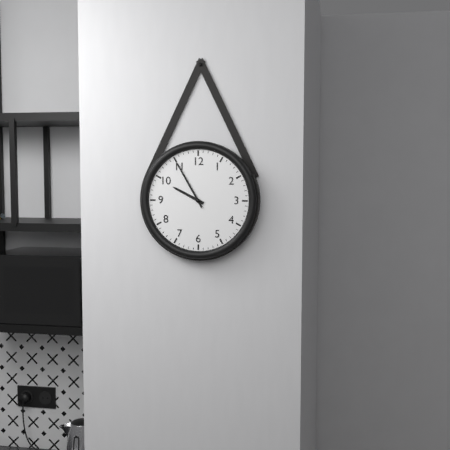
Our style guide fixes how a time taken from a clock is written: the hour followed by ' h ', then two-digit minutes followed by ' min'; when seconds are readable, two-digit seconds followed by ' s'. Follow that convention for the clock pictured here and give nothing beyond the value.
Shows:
9 h 55 min
